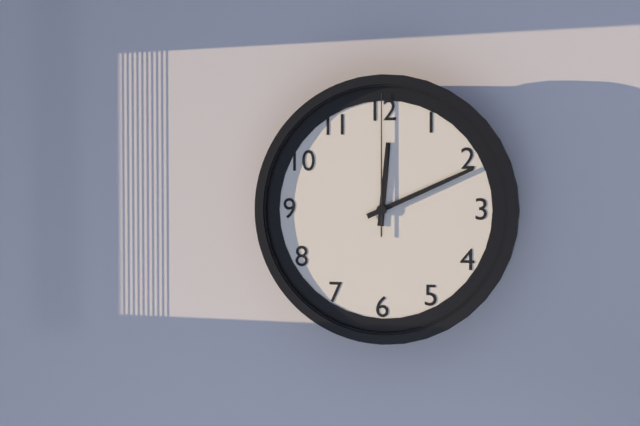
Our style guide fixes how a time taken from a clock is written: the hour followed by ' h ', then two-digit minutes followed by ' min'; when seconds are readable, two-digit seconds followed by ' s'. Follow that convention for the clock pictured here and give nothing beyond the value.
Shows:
12 h 11 min 00 s
